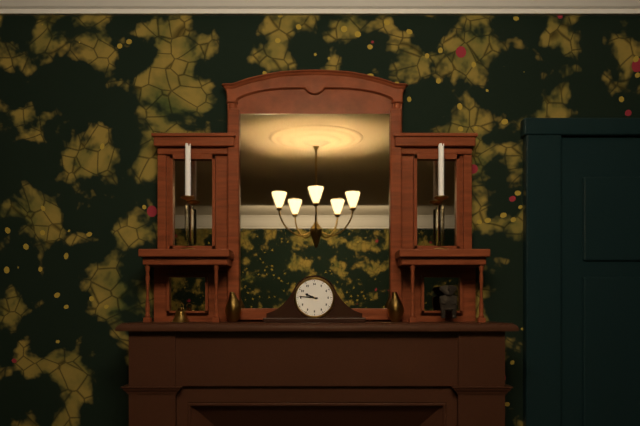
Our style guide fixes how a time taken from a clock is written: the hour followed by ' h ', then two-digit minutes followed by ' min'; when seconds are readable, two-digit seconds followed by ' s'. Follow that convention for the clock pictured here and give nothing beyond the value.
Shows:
9 h 46 min
